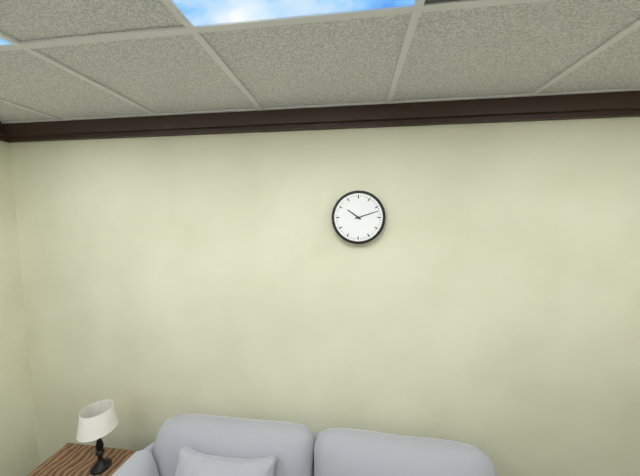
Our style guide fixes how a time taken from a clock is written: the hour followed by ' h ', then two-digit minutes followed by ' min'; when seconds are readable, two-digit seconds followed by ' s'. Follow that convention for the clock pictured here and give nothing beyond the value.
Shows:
10 h 12 min
